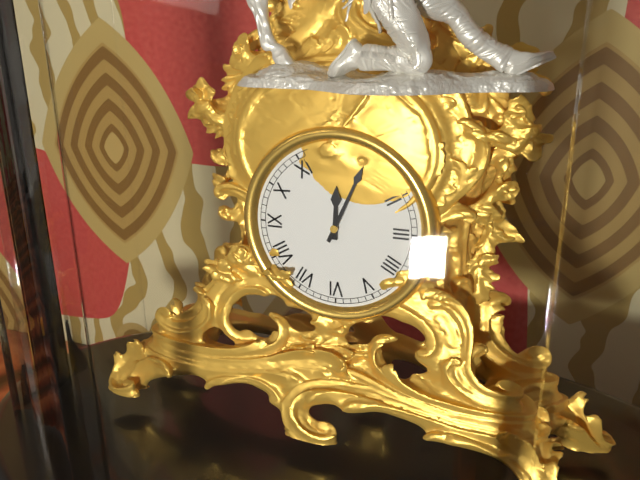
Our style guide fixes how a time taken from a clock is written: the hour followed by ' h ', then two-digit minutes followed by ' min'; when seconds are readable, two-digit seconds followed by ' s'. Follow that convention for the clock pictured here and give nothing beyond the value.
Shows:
12 h 04 min
